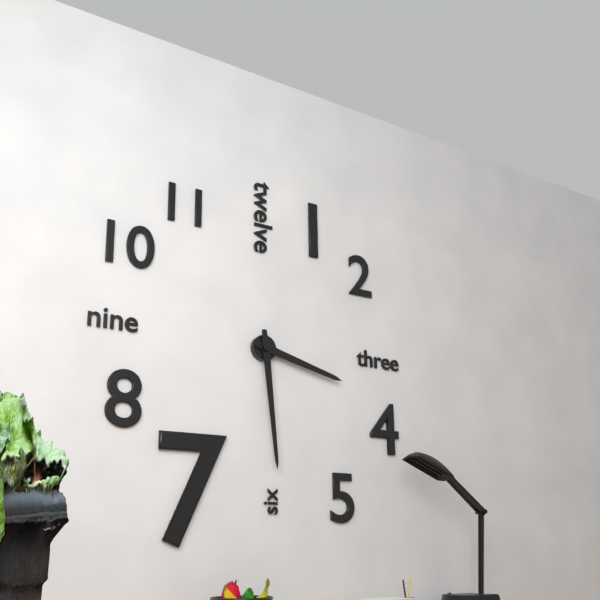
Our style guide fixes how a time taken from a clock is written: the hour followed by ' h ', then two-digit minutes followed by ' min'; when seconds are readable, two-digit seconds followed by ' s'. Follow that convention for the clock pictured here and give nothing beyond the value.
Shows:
3 h 29 min
